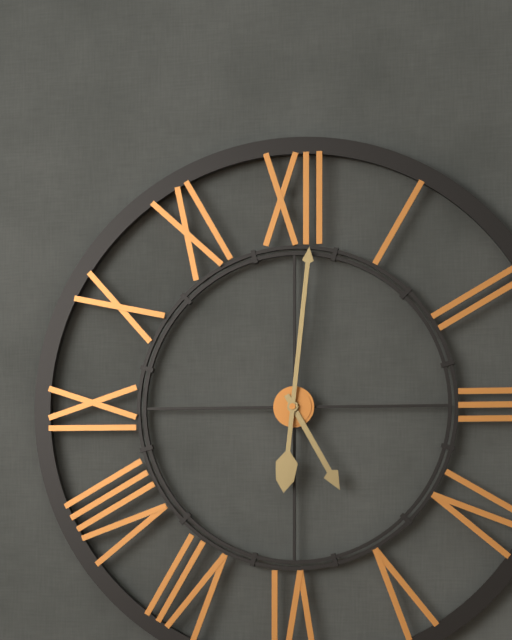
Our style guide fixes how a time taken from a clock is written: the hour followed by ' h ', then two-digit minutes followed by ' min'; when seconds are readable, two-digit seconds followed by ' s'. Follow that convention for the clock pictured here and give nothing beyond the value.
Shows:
5 h 01 min
